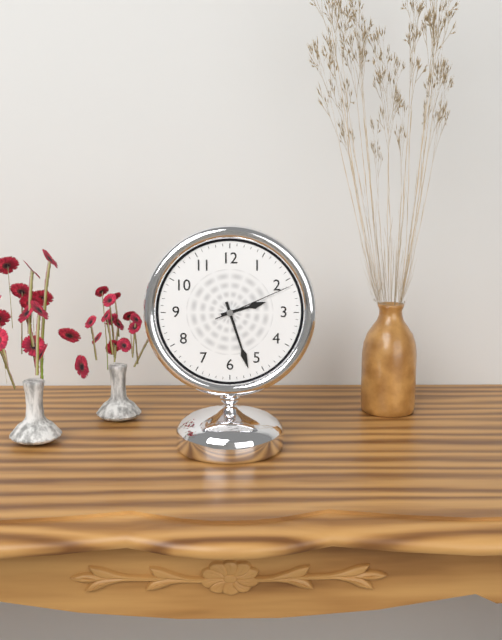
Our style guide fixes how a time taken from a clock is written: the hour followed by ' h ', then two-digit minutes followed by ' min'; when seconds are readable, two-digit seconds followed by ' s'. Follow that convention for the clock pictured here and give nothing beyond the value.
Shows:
2 h 27 min 11 s
